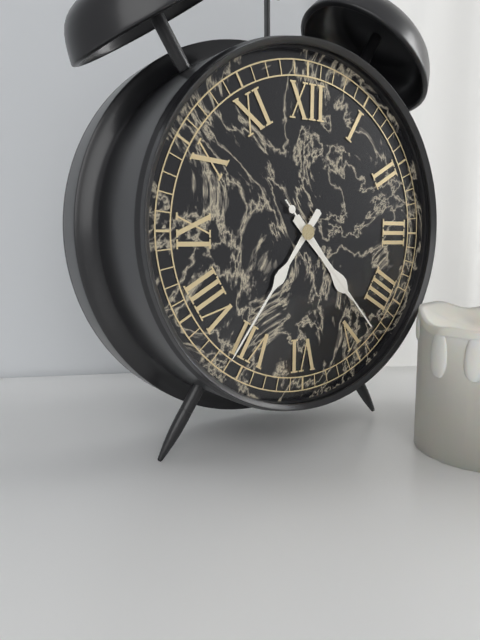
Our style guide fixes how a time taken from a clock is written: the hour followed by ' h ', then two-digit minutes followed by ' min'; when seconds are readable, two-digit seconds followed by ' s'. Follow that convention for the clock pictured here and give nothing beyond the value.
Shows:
4 h 36 min 23 s
